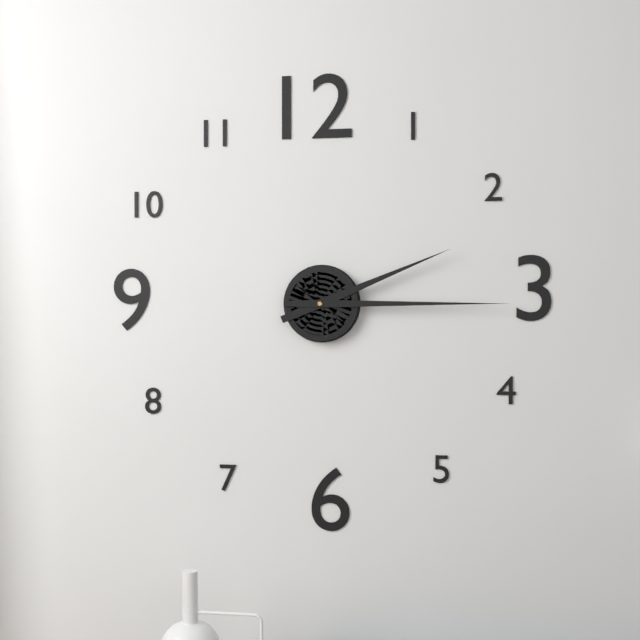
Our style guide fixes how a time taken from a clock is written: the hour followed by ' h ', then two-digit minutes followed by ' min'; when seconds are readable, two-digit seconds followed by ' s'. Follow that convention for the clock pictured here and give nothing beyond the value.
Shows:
2 h 15 min
